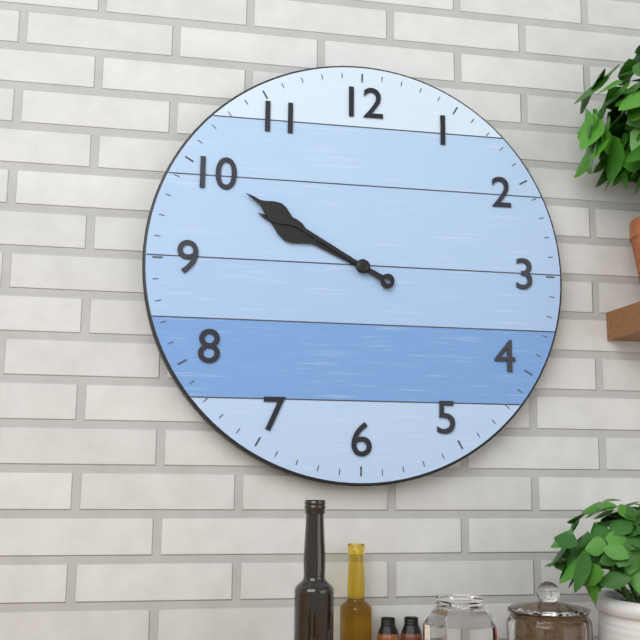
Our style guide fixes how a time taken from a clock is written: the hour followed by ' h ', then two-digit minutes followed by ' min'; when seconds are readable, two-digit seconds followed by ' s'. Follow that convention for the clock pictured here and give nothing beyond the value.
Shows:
9 h 50 min
